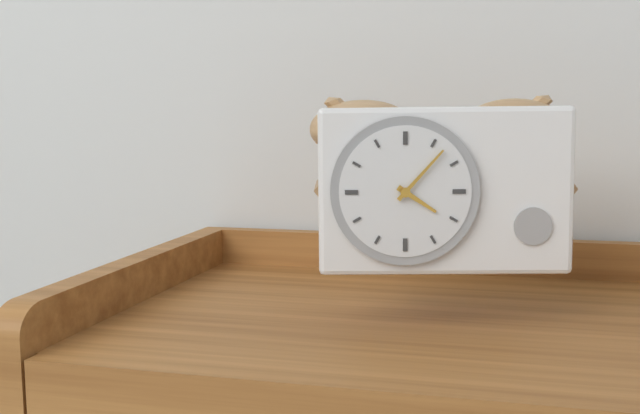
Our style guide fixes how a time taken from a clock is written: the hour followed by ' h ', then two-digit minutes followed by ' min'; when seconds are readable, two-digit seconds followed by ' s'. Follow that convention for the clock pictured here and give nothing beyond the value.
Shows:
4 h 07 min
